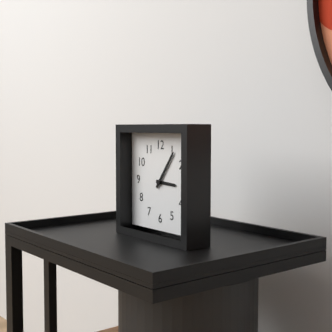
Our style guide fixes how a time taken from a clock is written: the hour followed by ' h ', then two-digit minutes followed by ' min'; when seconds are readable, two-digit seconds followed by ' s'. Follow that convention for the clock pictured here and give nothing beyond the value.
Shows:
3 h 06 min
